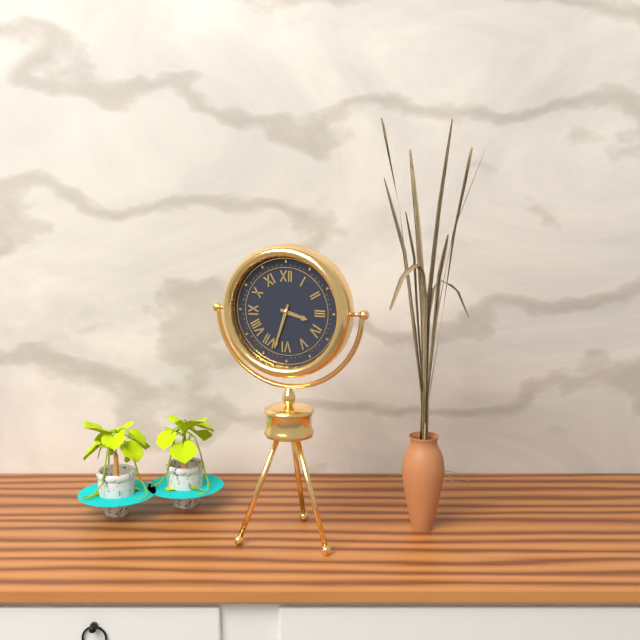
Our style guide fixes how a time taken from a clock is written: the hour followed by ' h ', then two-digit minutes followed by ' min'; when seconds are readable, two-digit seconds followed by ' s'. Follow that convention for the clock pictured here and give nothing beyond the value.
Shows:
3 h 33 min
